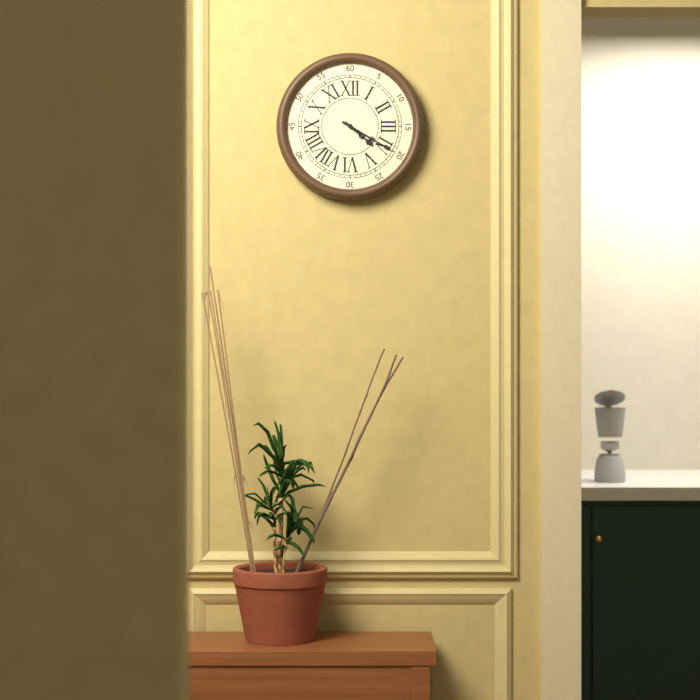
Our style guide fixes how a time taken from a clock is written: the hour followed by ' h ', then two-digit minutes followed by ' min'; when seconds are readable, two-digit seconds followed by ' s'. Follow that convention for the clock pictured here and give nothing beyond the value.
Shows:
4 h 20 min
